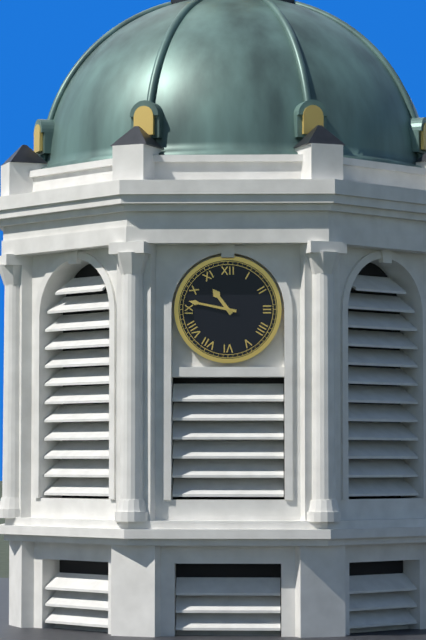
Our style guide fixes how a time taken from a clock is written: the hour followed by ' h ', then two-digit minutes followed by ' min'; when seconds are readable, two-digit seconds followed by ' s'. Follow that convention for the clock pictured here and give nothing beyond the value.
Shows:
10 h 47 min
